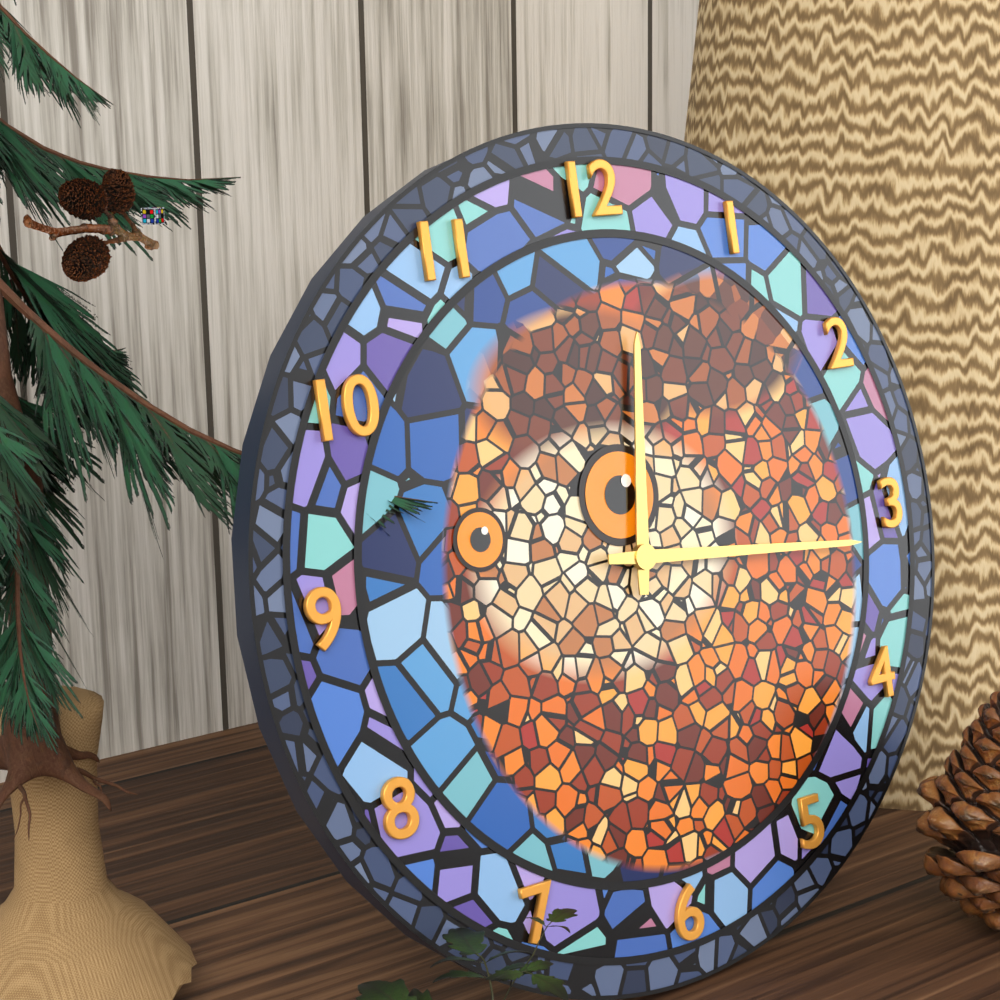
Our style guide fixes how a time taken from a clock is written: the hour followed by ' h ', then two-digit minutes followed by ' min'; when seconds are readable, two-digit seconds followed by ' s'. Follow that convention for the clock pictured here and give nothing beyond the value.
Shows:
12 h 16 min
